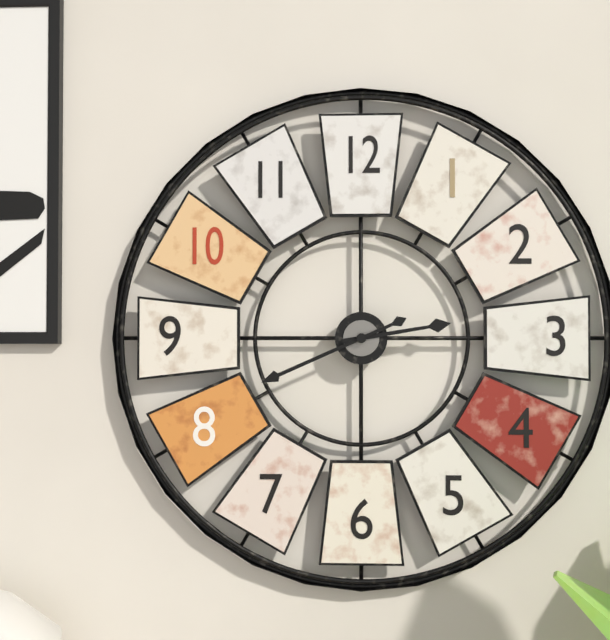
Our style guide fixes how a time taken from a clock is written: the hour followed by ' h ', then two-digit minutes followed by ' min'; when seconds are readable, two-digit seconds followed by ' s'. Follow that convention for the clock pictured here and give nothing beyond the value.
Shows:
2 h 41 min
